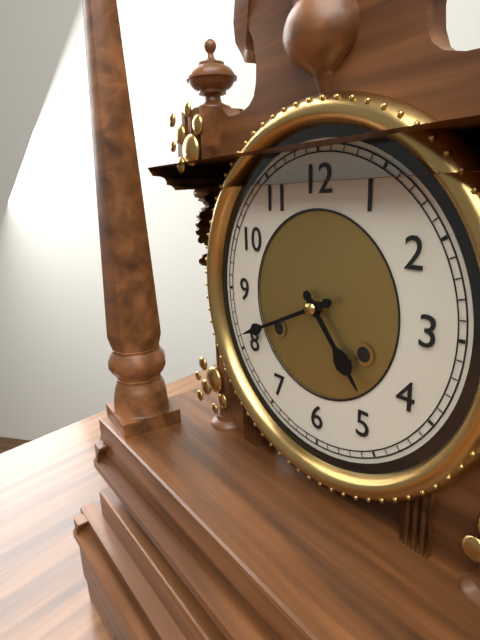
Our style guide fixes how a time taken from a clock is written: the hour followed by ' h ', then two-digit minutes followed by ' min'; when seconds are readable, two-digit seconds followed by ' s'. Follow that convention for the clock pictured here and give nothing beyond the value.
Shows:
4 h 41 min
